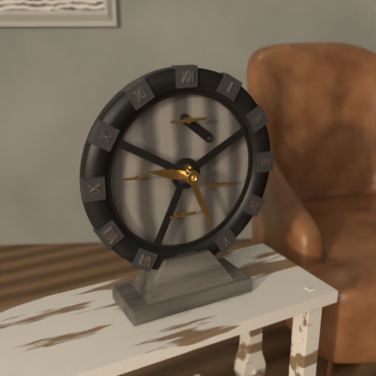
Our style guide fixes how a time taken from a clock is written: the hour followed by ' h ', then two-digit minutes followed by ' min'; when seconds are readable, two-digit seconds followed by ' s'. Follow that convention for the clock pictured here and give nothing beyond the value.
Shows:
9 h 26 min
